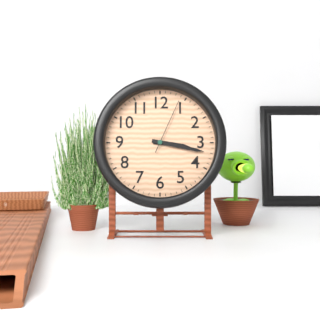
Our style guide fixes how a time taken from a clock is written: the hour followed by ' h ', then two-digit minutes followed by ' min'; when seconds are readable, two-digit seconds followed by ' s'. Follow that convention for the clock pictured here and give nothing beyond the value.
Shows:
3 h 17 min 04 s
